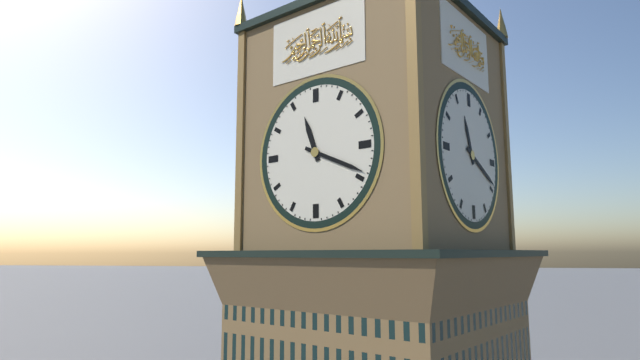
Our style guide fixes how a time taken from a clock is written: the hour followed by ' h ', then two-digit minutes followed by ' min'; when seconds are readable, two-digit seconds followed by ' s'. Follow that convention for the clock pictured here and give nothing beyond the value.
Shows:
11 h 19 min
